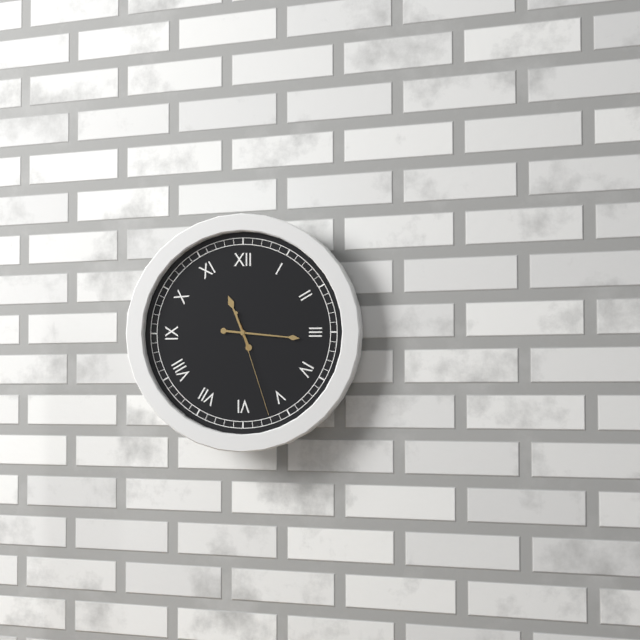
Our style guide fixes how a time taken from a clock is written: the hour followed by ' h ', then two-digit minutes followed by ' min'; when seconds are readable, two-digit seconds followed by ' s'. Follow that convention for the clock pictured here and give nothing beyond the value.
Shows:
11 h 16 min 27 s
